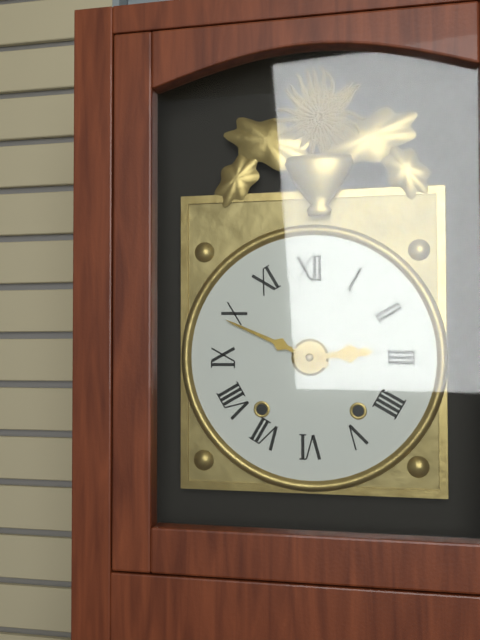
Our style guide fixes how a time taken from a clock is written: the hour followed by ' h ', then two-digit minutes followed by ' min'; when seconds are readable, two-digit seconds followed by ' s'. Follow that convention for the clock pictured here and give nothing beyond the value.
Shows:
2 h 49 min
